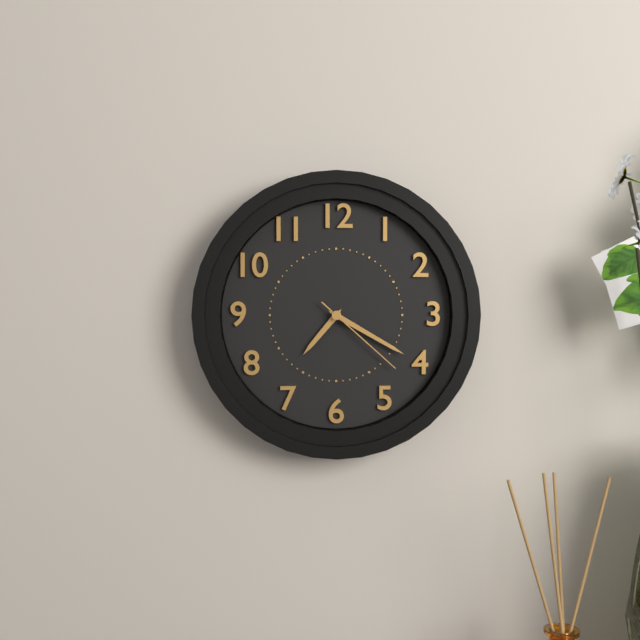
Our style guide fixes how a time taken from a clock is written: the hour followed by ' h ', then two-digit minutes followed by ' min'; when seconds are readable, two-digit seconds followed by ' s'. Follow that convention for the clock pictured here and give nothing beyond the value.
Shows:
7 h 20 min 22 s
